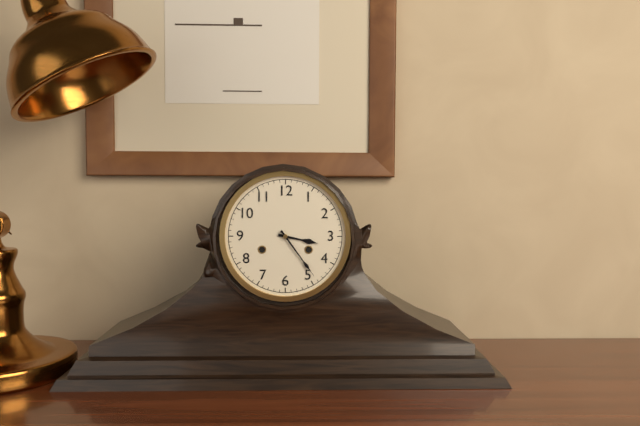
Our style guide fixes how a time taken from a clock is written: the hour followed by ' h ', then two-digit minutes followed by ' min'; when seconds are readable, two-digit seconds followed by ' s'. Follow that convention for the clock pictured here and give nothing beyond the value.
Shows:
3 h 24 min
